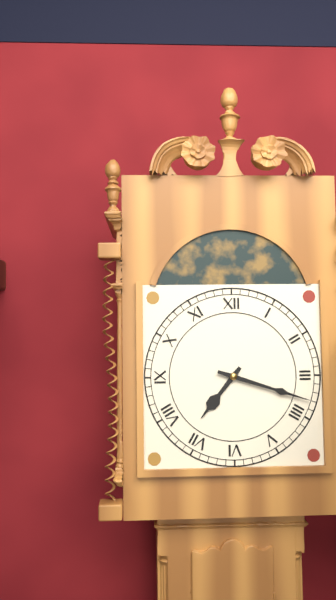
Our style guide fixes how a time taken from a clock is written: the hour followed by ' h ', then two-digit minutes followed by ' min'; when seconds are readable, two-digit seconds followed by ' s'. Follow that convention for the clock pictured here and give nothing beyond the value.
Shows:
7 h 18 min
